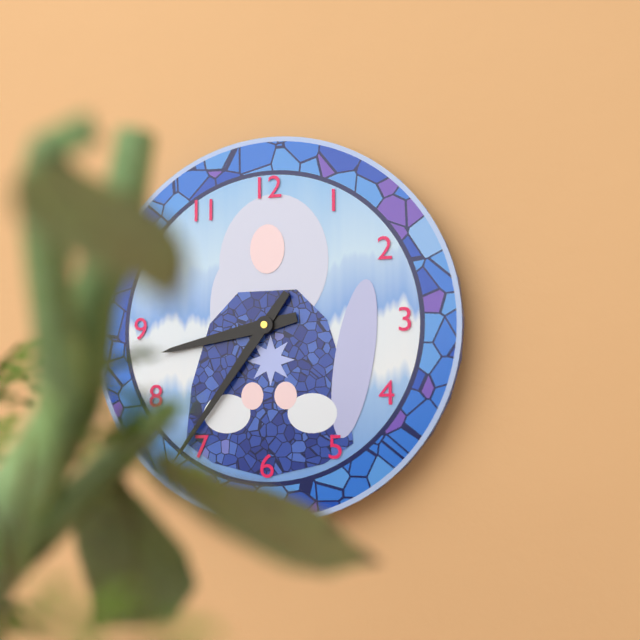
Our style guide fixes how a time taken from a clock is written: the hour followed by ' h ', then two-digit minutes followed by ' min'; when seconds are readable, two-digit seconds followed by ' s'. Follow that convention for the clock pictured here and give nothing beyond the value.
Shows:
8 h 36 min
